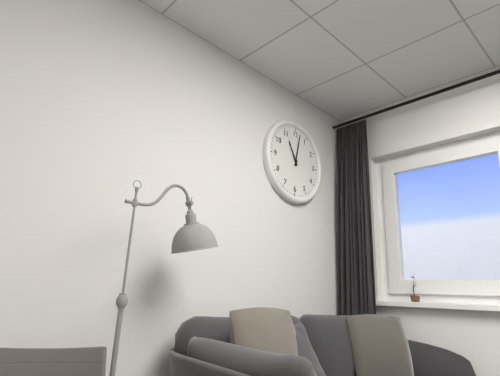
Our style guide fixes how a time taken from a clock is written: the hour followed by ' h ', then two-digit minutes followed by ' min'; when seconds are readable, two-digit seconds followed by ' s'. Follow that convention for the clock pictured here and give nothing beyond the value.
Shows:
11 h 02 min
